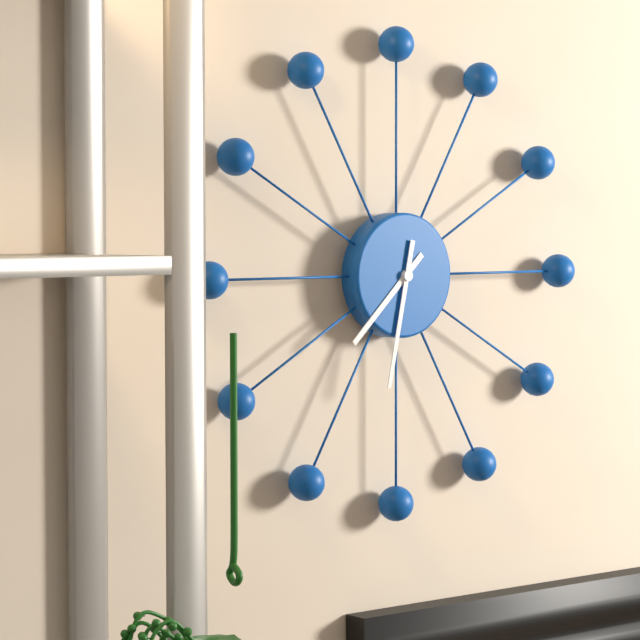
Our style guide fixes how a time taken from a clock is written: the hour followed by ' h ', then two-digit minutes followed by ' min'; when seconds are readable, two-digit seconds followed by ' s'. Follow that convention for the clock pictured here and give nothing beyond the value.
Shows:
7 h 32 min
